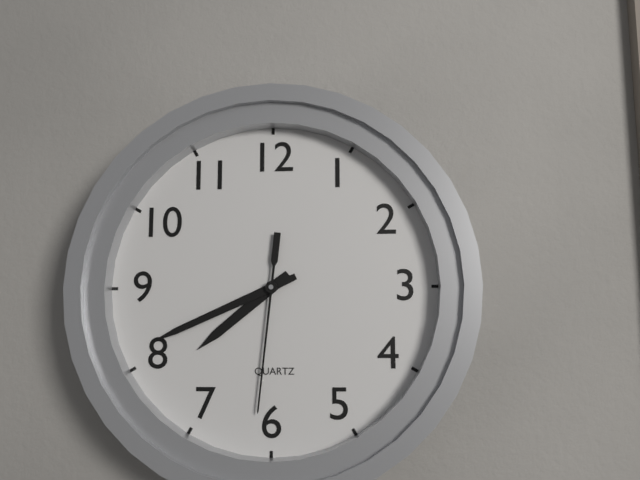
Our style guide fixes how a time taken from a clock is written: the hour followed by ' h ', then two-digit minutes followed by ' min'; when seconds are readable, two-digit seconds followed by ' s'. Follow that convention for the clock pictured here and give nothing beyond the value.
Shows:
7 h 41 min 31 s
